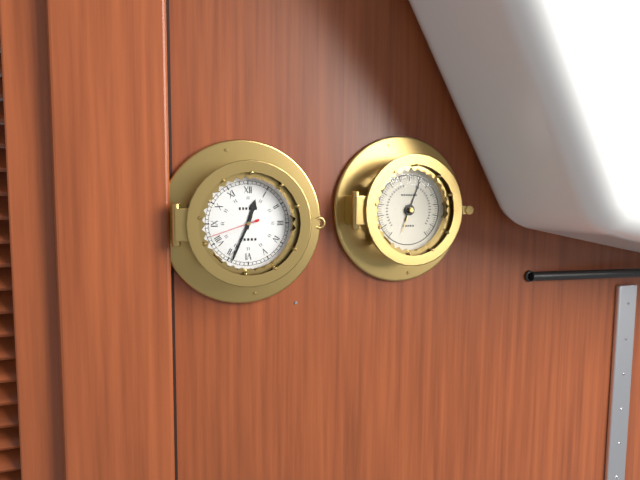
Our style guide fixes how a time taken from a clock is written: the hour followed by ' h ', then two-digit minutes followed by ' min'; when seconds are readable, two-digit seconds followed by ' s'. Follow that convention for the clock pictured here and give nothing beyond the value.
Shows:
12 h 34 min 42 s
